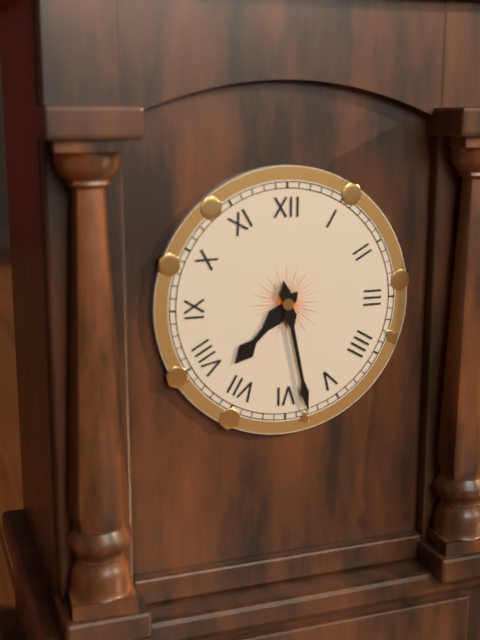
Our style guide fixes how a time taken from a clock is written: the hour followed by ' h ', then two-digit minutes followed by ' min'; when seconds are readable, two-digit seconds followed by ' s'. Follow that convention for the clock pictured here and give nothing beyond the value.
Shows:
7 h 28 min
